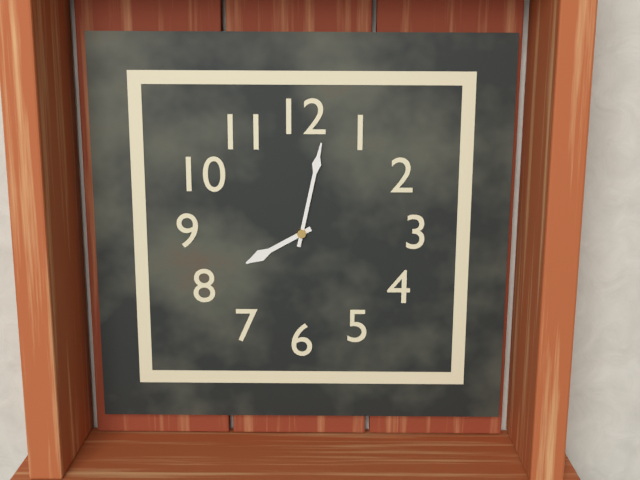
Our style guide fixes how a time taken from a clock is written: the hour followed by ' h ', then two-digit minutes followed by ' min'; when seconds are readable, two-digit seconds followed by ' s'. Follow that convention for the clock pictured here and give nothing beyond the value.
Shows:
8 h 02 min
